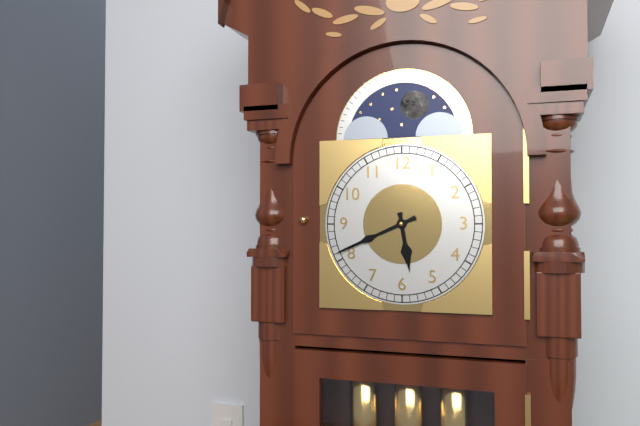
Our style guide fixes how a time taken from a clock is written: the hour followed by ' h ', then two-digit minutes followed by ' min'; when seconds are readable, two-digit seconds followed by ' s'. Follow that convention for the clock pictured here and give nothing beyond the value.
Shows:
5 h 41 min
